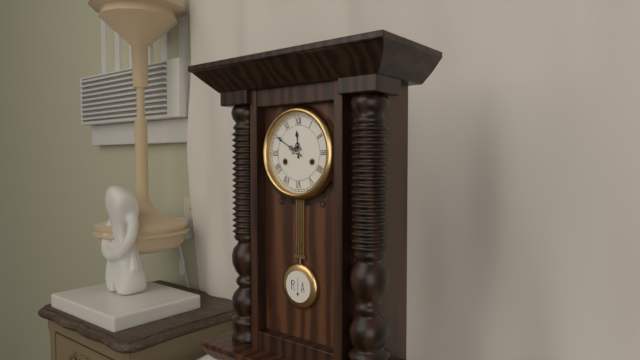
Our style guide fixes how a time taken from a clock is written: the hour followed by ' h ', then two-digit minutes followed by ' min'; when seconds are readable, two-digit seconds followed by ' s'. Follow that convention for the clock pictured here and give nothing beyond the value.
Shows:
11 h 50 min
